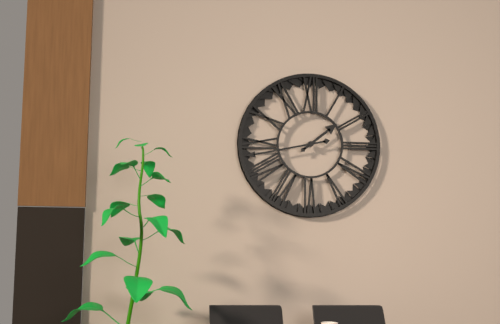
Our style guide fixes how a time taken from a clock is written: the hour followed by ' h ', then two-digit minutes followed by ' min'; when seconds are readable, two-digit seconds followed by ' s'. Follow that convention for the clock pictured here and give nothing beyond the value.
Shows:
1 h 43 min
